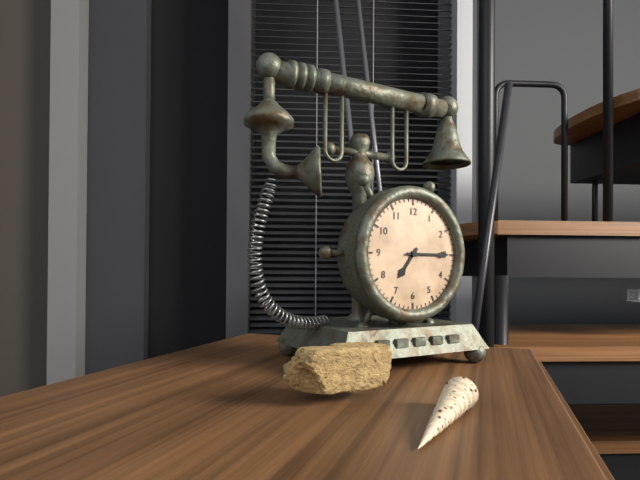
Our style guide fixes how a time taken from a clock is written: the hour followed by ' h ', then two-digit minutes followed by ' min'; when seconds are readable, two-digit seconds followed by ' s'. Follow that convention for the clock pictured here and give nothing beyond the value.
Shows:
7 h 15 min
